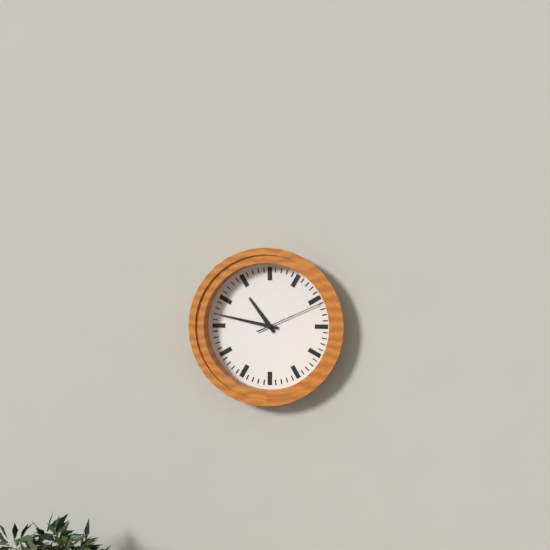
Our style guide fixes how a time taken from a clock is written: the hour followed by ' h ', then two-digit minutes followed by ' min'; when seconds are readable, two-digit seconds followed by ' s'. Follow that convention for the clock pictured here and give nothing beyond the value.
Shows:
10 h 47 min 11 s
